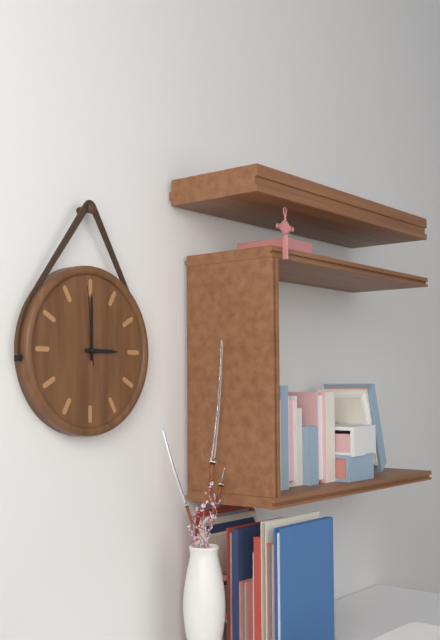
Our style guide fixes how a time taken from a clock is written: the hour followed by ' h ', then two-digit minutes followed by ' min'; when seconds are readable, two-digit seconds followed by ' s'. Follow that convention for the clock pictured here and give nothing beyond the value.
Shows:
3 h 00 min 59 s
